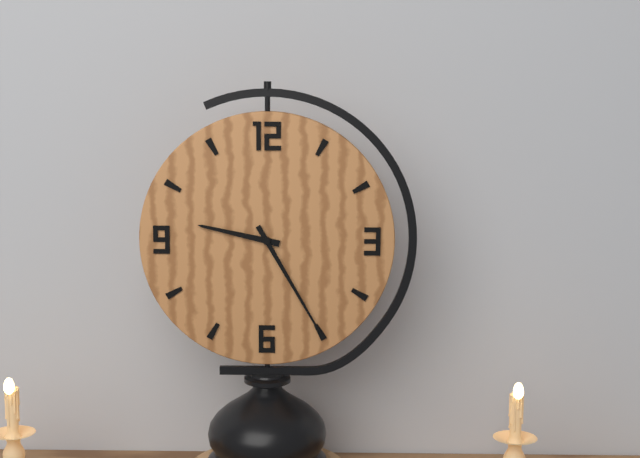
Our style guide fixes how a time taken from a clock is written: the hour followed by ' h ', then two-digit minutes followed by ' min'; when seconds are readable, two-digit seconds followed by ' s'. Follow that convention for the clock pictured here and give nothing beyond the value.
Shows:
9 h 25 min
